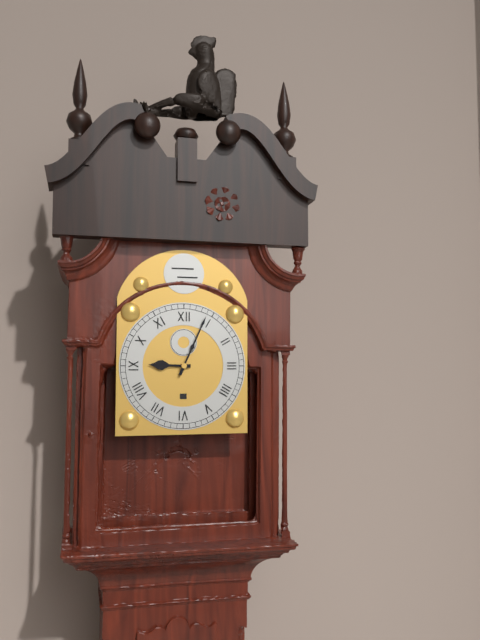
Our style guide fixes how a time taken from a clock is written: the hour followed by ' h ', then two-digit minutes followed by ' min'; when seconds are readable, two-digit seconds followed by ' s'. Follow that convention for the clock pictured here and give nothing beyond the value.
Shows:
9 h 04 min
